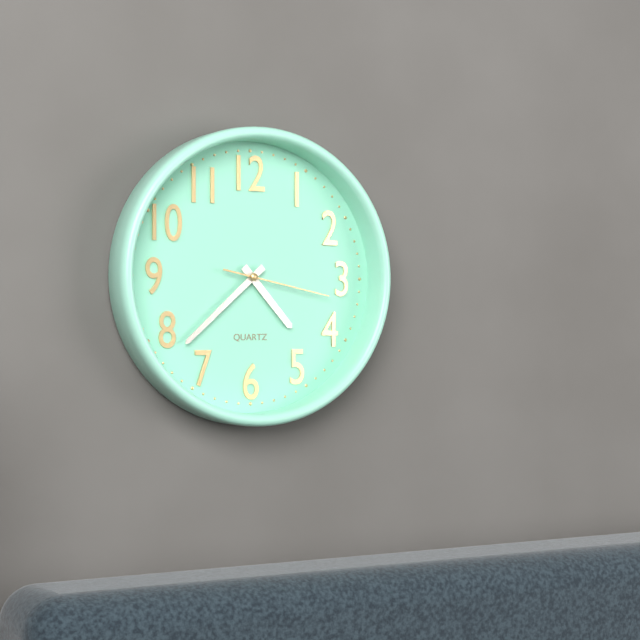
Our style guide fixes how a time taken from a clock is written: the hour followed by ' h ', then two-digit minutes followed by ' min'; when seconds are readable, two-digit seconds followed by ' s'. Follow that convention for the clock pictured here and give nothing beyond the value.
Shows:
4 h 38 min 17 s
